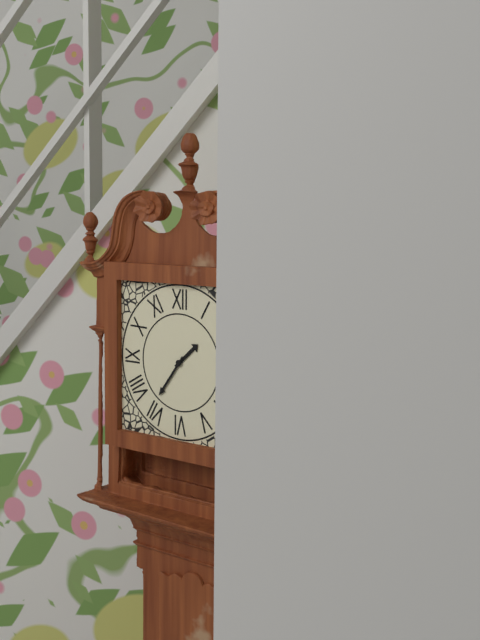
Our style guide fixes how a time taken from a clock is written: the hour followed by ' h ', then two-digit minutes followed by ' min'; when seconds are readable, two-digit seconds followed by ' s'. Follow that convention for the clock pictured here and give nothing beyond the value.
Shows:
1 h 36 min
